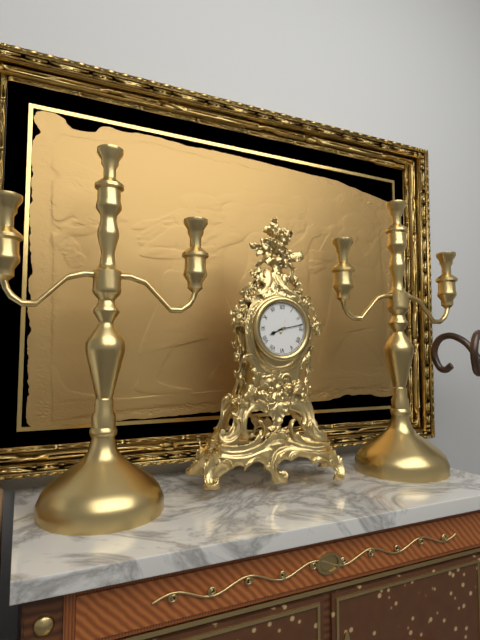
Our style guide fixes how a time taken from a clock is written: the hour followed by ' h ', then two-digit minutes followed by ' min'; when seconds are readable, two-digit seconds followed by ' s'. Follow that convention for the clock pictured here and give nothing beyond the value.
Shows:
8 h 13 min
